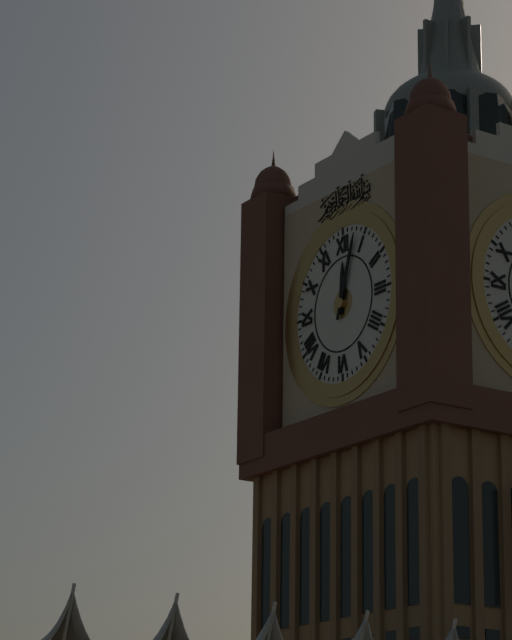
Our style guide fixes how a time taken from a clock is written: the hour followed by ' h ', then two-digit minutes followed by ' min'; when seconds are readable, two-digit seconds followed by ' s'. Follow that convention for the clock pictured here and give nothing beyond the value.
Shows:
12 h 03 min
